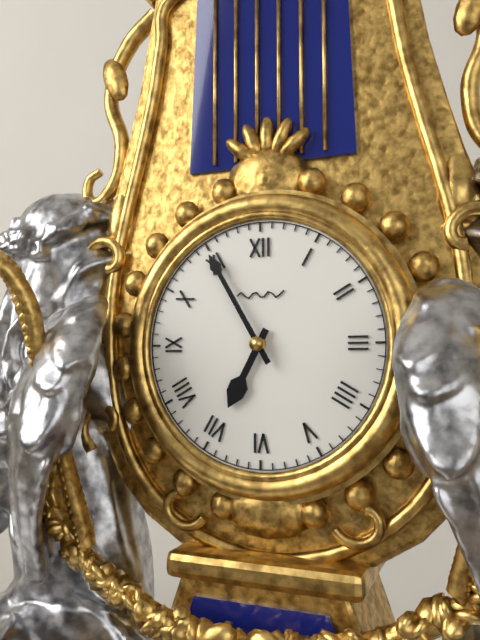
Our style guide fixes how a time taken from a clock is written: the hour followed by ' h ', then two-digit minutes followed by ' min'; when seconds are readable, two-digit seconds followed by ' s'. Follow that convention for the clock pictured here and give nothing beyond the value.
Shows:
6 h 55 min
